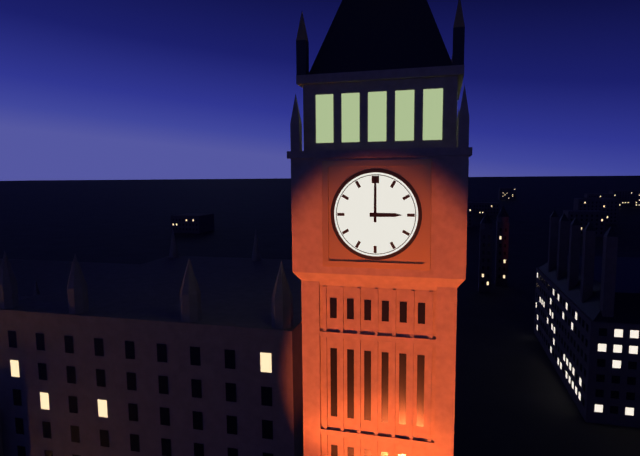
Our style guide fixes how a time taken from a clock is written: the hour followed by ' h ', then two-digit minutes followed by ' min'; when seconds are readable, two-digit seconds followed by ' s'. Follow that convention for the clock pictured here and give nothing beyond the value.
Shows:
3 h 00 min
